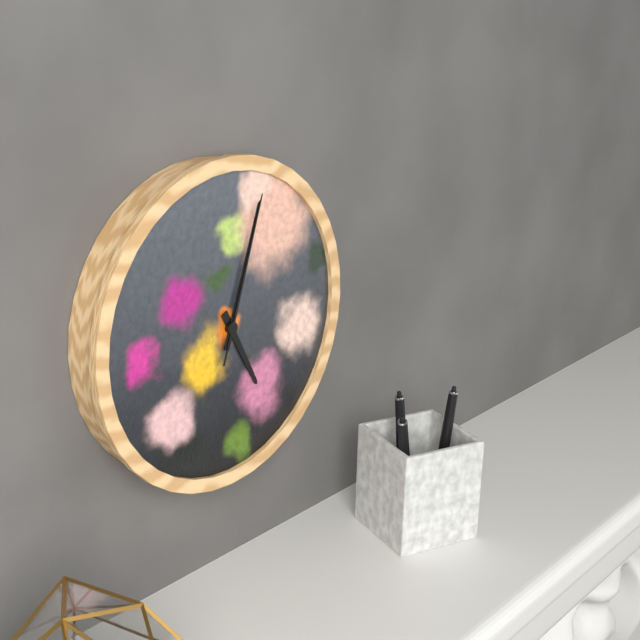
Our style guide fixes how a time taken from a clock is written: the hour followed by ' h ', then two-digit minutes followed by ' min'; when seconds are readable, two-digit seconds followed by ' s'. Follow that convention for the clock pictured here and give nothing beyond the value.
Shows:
5 h 03 min 03 s
